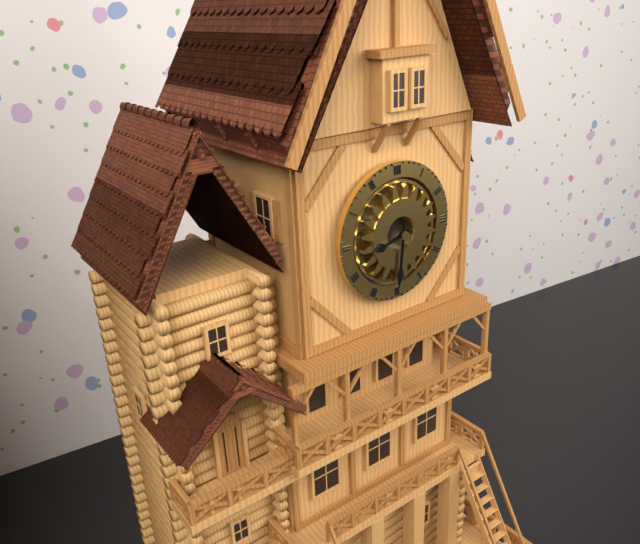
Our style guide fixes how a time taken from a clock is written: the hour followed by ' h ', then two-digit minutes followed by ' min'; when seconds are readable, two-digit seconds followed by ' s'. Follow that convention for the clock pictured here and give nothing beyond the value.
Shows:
8 h 31 min
